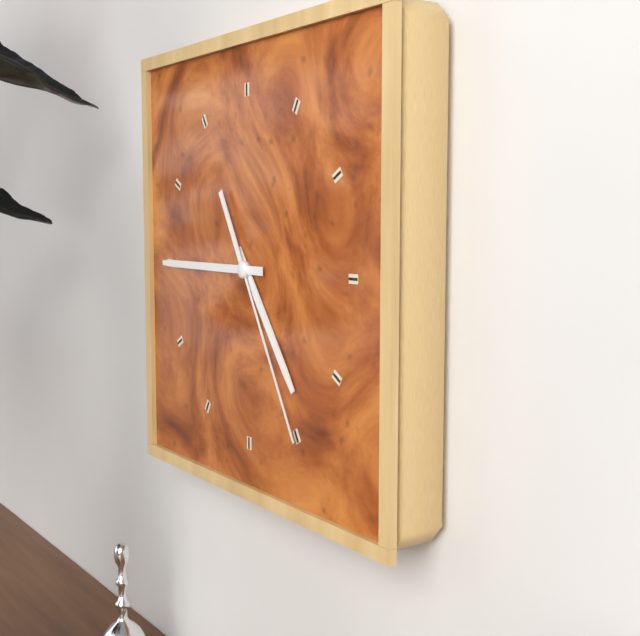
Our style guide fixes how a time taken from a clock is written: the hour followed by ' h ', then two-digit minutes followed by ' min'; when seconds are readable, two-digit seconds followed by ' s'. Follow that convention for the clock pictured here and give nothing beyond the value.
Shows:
4 h 45 min 25 s
